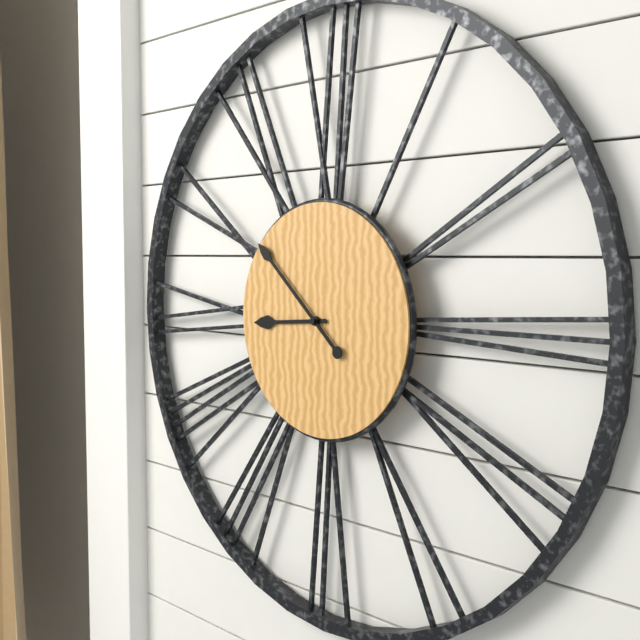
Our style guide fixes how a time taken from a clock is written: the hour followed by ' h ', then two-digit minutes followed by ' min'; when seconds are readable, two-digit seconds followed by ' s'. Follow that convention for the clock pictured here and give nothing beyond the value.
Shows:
8 h 52 min
